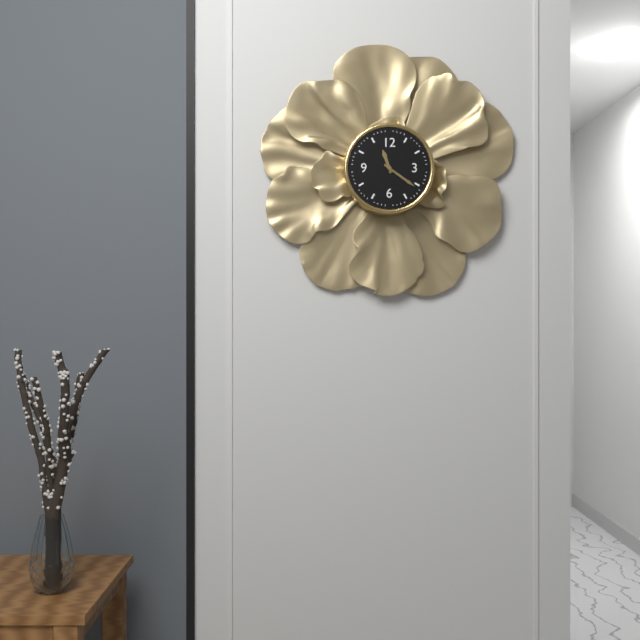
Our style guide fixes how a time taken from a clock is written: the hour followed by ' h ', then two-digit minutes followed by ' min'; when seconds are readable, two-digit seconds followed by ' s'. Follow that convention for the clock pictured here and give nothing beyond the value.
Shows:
11 h 21 min
